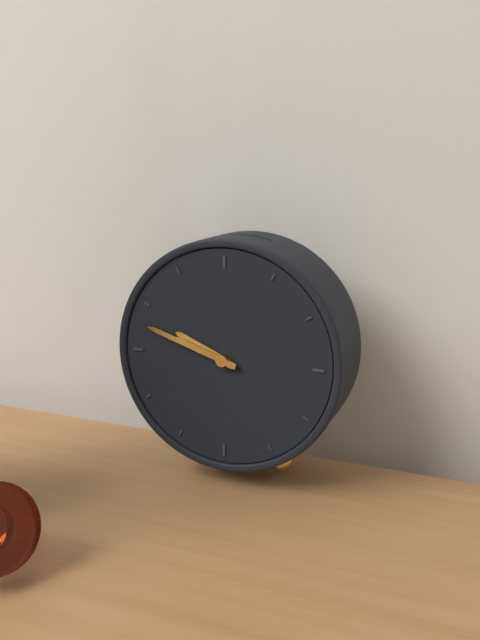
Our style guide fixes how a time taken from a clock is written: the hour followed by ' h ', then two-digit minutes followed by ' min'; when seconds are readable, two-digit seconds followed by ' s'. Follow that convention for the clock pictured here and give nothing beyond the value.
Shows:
9 h 48 min
